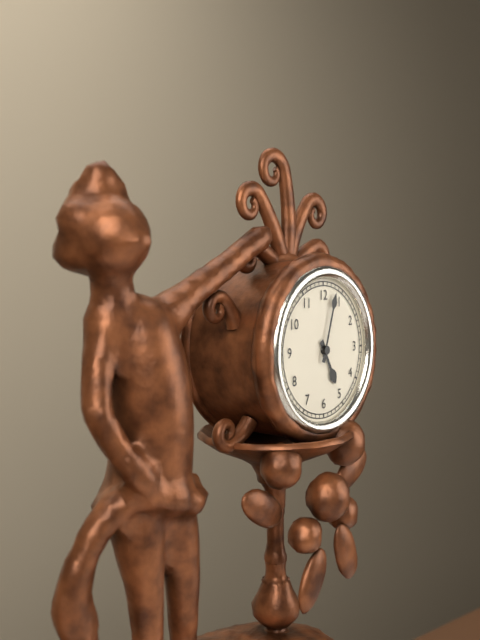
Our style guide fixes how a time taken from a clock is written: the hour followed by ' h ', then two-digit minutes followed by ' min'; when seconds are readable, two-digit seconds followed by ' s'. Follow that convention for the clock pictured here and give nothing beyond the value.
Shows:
5 h 03 min
